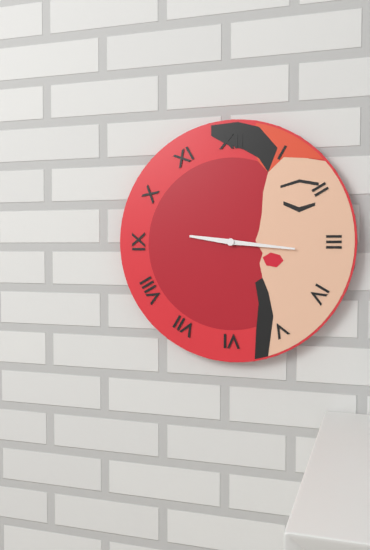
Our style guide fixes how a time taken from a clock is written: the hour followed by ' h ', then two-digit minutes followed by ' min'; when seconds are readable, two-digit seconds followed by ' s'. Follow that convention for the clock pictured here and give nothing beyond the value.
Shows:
9 h 16 min
